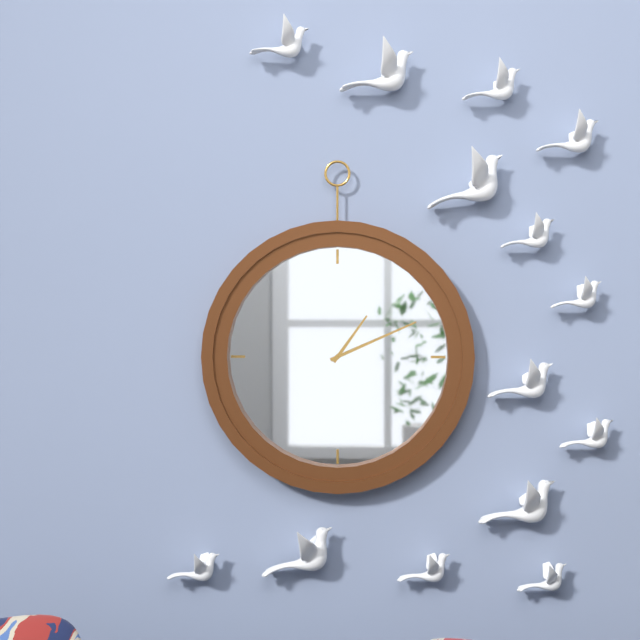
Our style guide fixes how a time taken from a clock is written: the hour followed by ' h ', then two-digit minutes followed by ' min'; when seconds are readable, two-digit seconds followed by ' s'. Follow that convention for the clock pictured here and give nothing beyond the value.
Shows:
1 h 11 min
